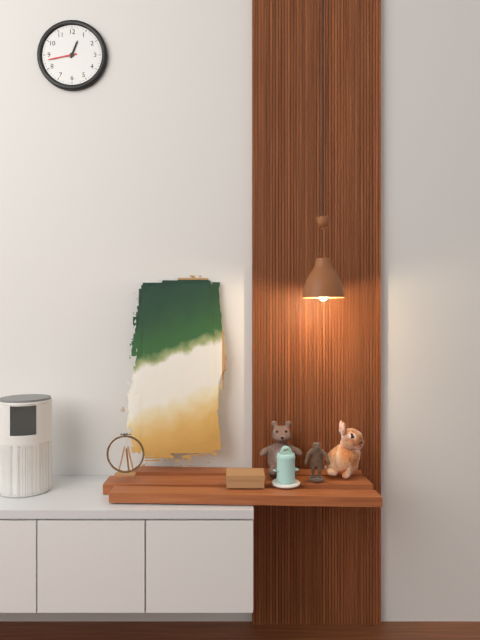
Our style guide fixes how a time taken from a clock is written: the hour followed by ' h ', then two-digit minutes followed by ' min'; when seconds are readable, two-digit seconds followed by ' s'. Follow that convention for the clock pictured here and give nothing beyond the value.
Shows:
12 h 43 min
